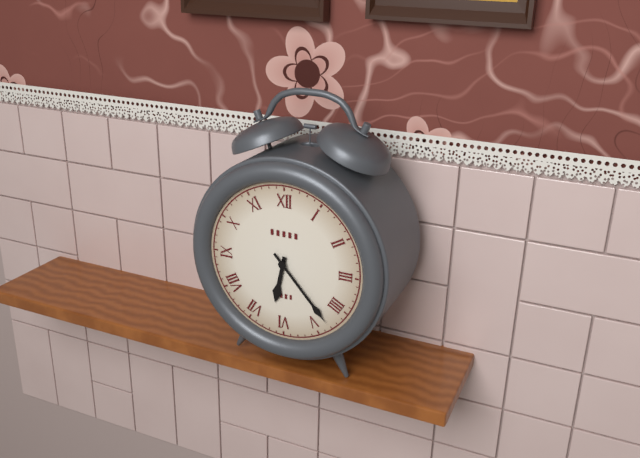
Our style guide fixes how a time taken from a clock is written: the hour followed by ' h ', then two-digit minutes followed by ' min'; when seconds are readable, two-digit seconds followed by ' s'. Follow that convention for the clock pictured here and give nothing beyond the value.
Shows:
6 h 23 min
